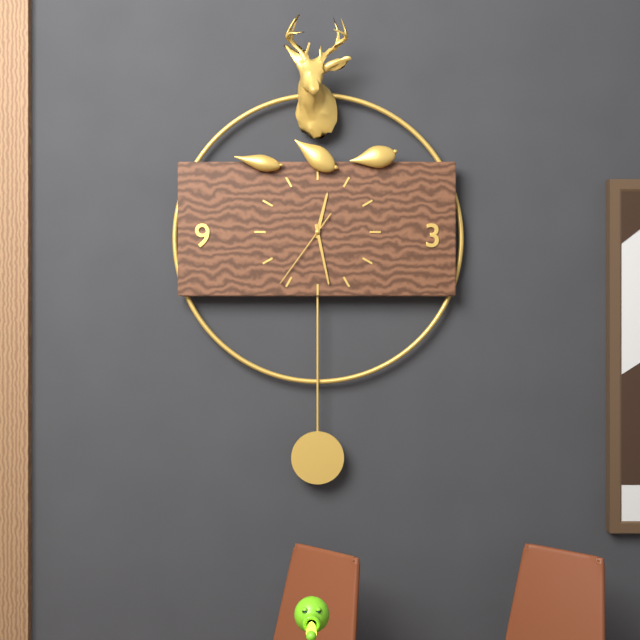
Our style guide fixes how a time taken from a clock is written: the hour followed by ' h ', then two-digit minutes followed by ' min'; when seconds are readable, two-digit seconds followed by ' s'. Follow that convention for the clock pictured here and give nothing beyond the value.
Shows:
12 h 28 min 36 s
